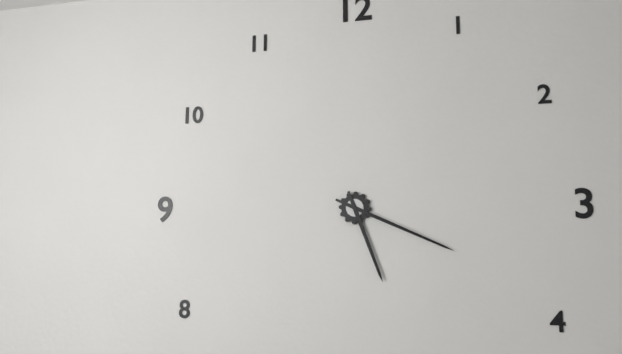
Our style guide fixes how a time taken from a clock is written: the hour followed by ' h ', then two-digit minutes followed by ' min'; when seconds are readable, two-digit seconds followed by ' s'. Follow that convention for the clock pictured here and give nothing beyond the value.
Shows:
5 h 19 min
